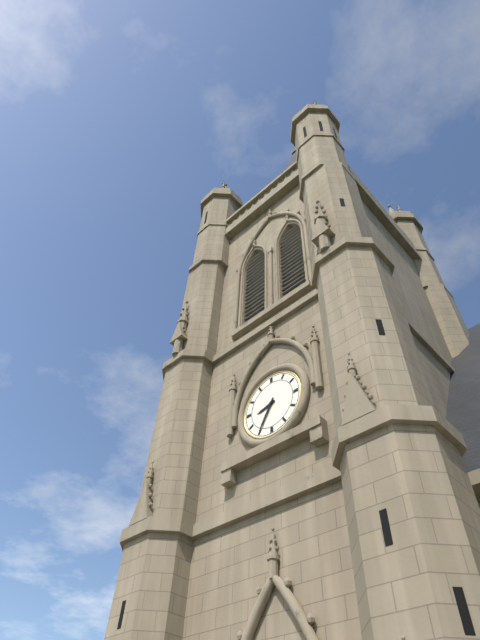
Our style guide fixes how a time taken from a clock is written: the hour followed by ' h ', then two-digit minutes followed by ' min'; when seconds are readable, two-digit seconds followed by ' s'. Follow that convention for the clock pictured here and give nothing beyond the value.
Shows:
8 h 35 min
